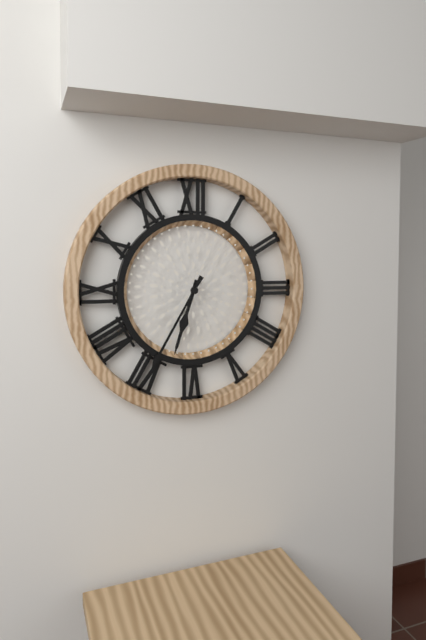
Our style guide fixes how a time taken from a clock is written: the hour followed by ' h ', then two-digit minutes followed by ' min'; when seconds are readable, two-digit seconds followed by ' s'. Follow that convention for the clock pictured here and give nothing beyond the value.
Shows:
6 h 35 min
